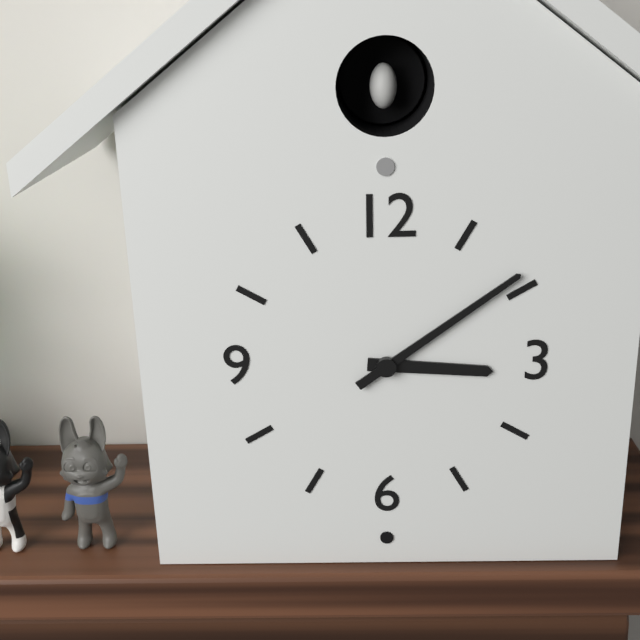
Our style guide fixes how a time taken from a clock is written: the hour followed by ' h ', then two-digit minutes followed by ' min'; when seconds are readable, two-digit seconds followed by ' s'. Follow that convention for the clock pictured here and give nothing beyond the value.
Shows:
3 h 09 min
